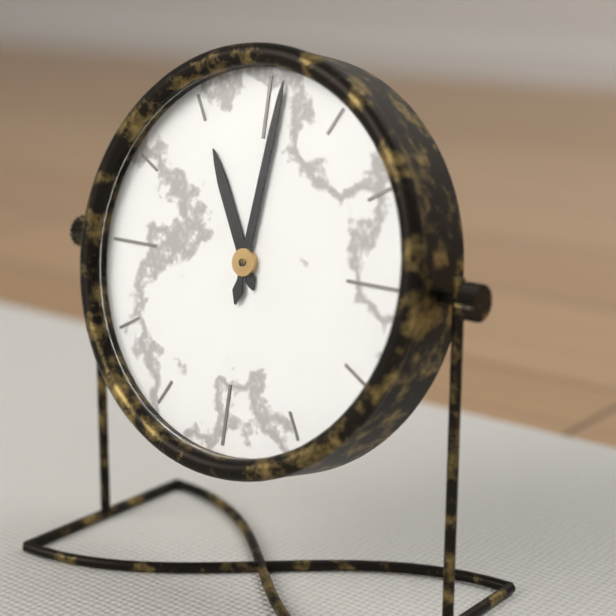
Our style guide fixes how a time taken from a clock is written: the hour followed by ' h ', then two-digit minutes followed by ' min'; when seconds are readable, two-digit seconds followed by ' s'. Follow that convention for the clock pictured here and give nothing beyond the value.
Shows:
11 h 01 min
